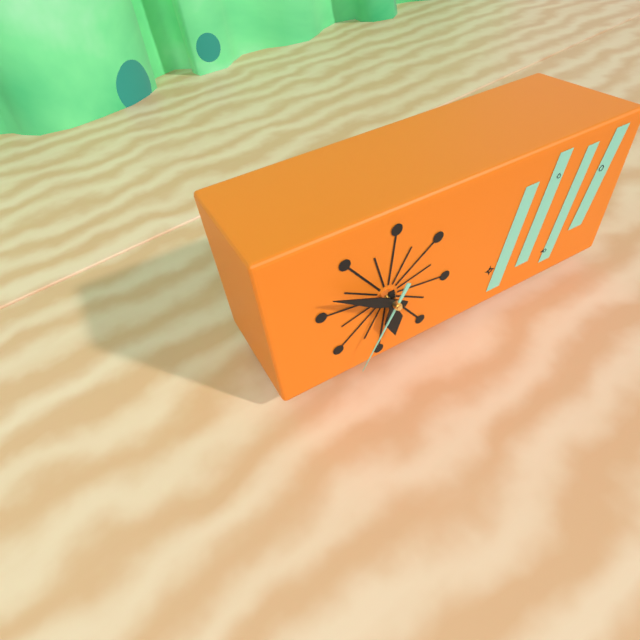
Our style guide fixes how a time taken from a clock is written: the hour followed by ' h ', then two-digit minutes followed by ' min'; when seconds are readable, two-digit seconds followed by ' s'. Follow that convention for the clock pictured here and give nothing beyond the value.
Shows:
5 h 50 min 35 s
